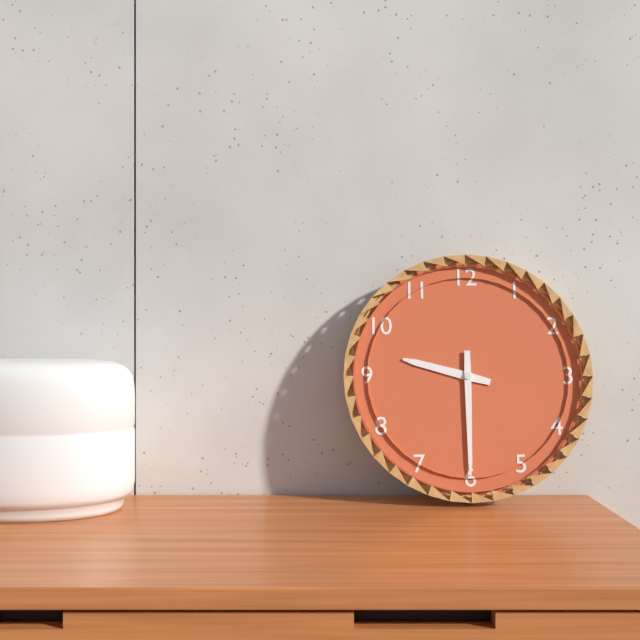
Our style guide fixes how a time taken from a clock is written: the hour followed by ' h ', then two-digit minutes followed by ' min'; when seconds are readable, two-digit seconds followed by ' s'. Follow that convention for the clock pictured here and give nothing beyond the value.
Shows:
9 h 30 min
